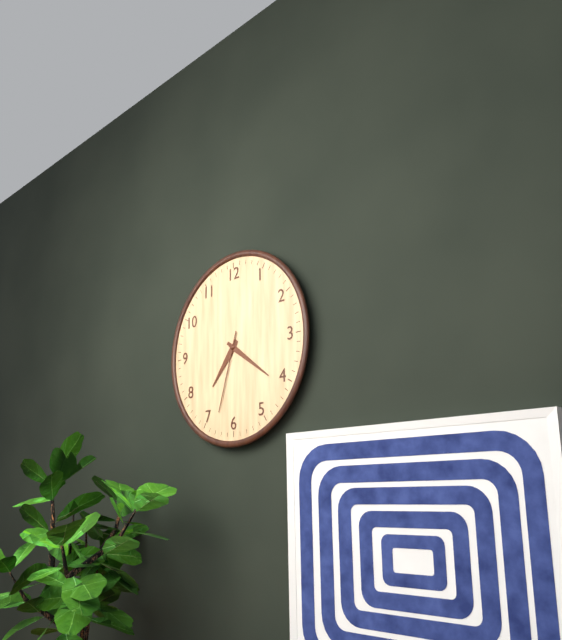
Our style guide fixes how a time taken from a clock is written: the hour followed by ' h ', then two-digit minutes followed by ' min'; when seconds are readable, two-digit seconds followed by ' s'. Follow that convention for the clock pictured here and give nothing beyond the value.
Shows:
7 h 21 min 33 s
